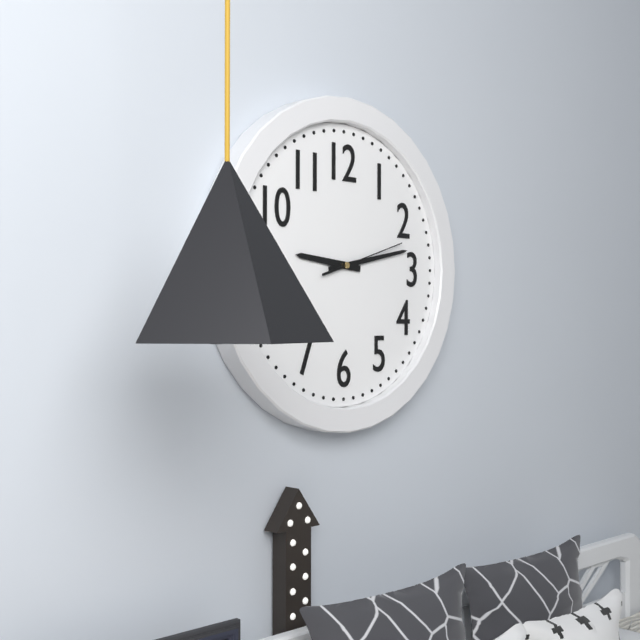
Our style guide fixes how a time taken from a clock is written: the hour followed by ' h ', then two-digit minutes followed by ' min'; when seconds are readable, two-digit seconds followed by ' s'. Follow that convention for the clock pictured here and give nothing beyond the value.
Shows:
9 h 13 min 12 s
